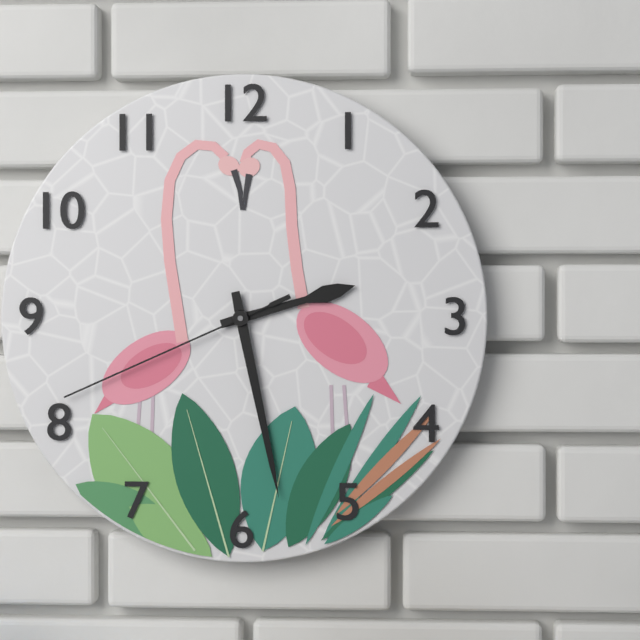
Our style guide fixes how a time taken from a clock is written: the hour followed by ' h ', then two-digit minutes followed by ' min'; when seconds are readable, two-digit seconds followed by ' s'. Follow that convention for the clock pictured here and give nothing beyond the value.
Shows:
2 h 28 min 41 s
